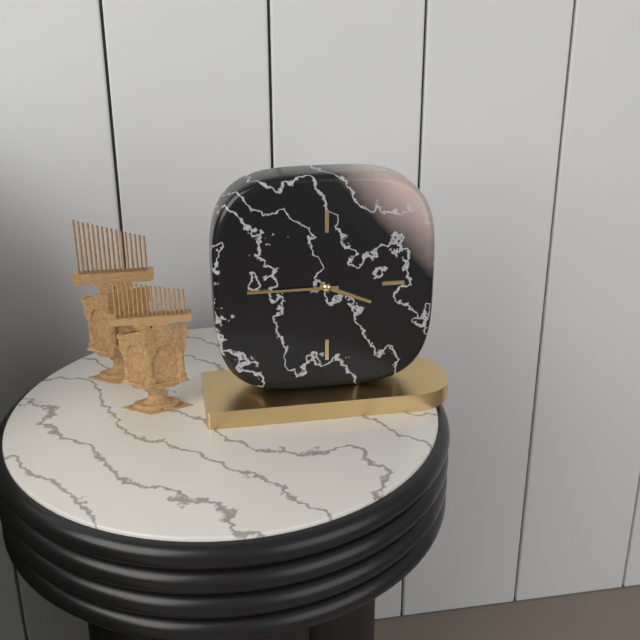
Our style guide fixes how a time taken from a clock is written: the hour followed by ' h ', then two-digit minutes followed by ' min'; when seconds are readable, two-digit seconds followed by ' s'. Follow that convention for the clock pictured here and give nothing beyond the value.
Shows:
3 h 45 min
